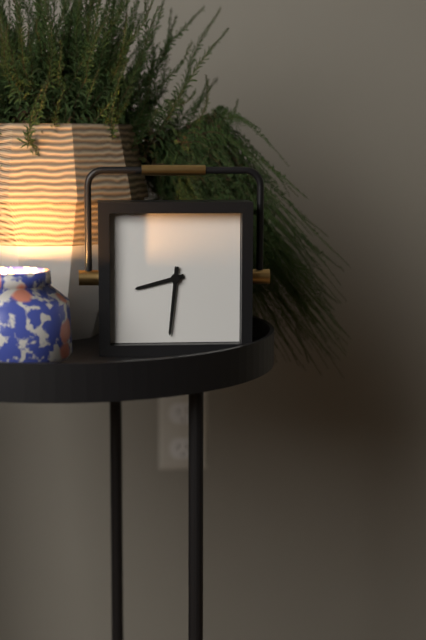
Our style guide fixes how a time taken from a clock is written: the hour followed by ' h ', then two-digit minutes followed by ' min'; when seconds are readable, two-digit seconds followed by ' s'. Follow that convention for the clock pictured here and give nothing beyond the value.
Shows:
8 h 31 min
